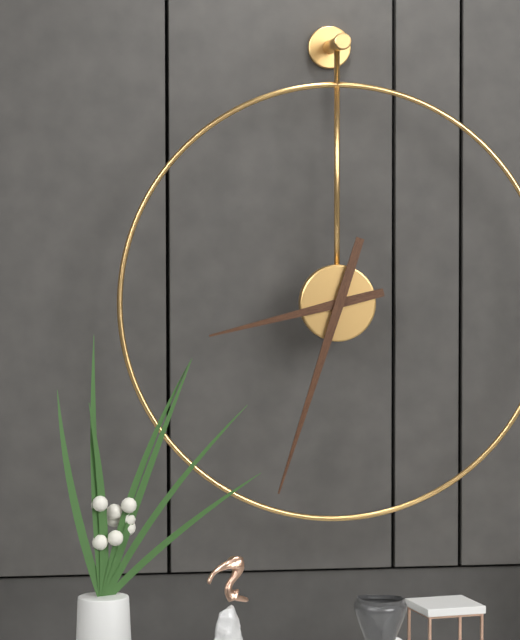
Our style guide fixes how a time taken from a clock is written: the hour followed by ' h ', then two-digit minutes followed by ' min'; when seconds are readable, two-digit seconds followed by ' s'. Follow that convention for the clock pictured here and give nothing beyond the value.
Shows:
8 h 33 min
